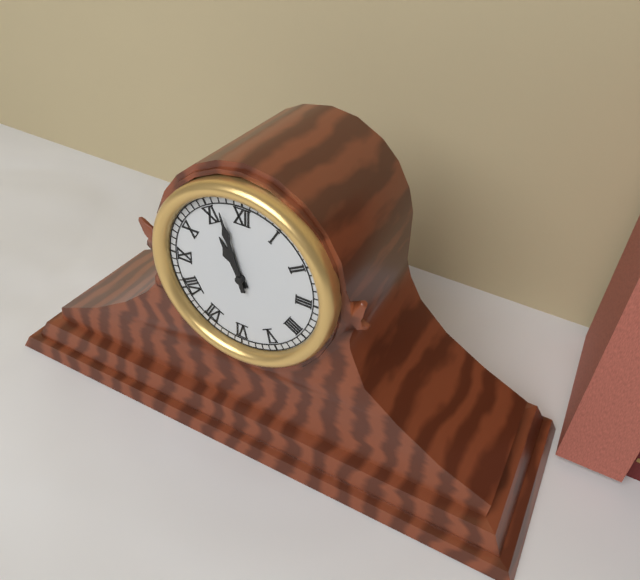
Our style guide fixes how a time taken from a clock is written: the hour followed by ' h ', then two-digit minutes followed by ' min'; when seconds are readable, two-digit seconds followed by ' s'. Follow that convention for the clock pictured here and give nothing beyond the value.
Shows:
10 h 57 min
